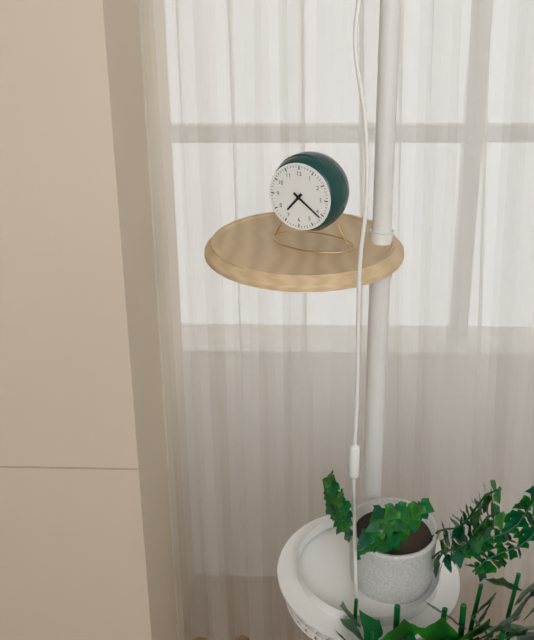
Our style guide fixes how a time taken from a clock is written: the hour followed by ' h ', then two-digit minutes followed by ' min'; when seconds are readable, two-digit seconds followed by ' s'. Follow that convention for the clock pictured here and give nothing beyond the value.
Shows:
7 h 21 min
